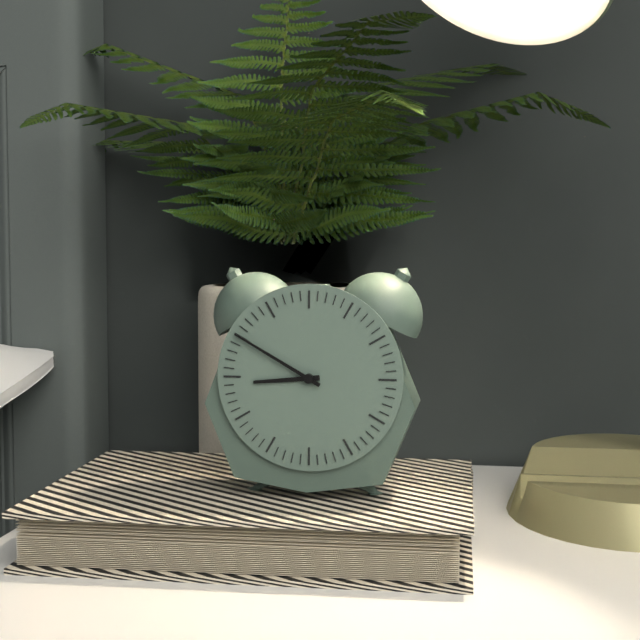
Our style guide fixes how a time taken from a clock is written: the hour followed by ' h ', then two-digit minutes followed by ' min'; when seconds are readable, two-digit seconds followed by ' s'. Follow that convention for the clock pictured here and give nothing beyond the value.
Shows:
8 h 50 min
